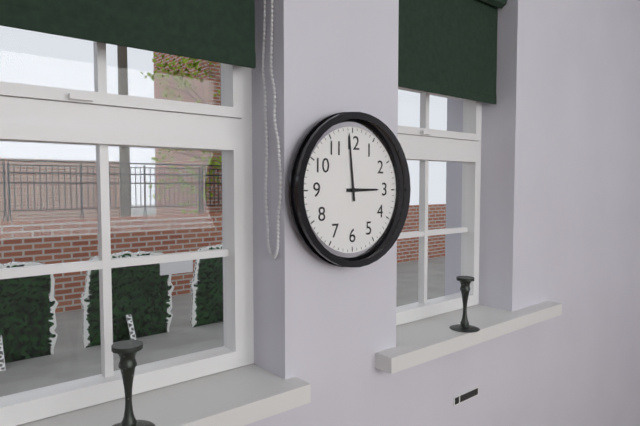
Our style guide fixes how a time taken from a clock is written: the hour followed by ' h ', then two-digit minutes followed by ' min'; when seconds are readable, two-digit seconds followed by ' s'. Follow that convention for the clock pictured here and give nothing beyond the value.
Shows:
2 h 59 min
